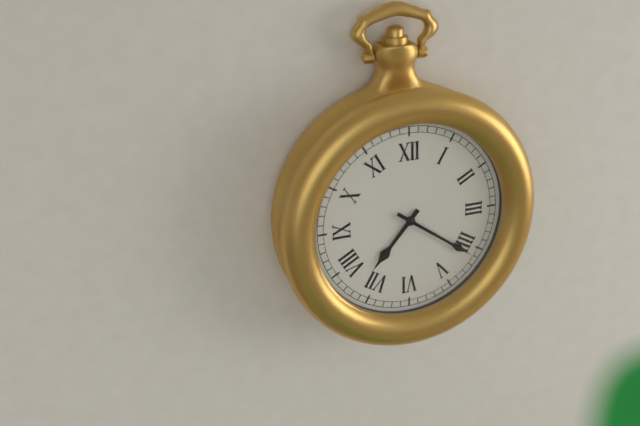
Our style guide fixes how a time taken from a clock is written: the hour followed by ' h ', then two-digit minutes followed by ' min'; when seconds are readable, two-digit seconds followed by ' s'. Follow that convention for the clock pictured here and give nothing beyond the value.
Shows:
7 h 21 min
